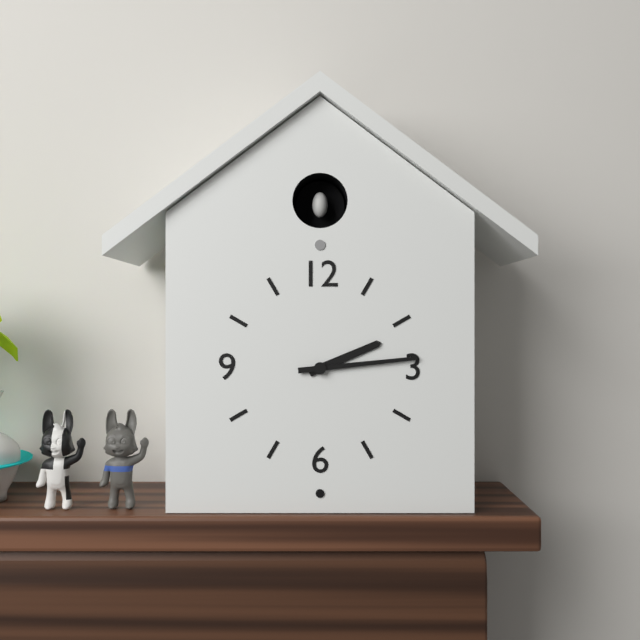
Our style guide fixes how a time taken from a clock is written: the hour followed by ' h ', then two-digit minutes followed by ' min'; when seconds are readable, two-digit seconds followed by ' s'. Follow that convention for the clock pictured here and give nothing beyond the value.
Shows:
2 h 14 min
